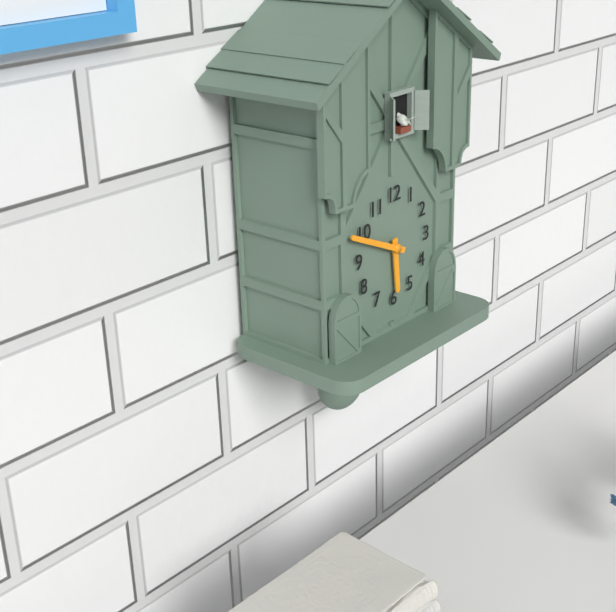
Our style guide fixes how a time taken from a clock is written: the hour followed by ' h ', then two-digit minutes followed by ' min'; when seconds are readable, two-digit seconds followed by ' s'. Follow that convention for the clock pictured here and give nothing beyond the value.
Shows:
5 h 49 min
